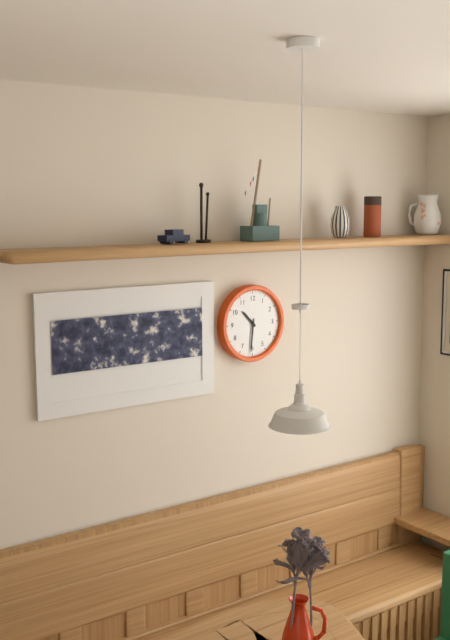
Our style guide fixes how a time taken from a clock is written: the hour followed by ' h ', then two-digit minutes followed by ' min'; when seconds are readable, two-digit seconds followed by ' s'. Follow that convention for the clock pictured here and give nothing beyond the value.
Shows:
10 h 31 min
